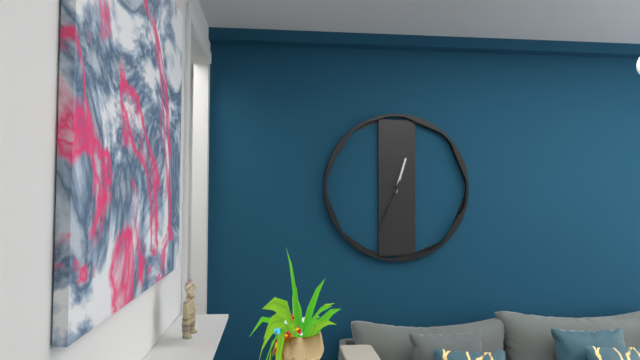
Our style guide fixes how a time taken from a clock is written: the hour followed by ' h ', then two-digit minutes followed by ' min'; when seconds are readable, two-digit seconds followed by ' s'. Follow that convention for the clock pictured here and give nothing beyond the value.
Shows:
12 h 34 min
